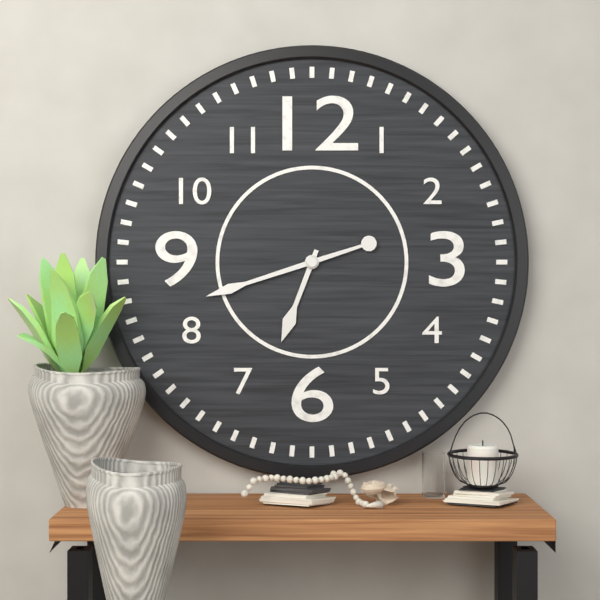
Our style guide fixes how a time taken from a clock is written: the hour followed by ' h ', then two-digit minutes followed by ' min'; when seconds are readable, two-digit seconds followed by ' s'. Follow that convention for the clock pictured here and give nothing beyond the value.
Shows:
6 h 42 min
